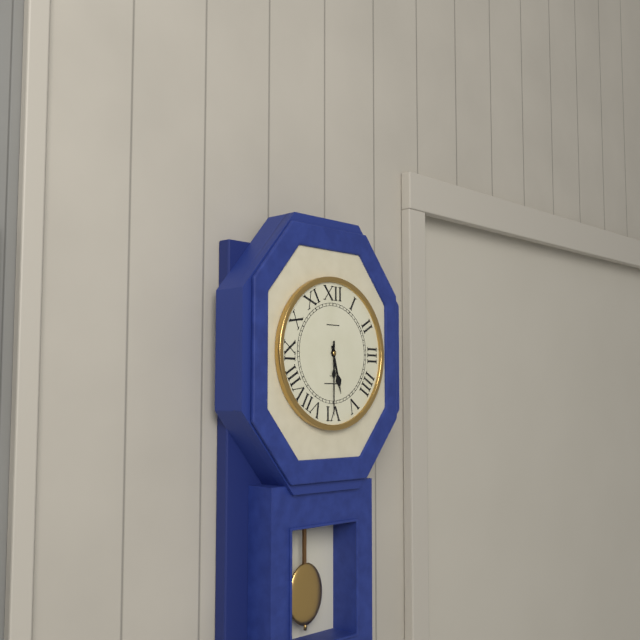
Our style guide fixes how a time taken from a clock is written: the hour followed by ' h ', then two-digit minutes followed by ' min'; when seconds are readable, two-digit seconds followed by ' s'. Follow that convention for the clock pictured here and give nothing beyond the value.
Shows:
5 h 30 min
